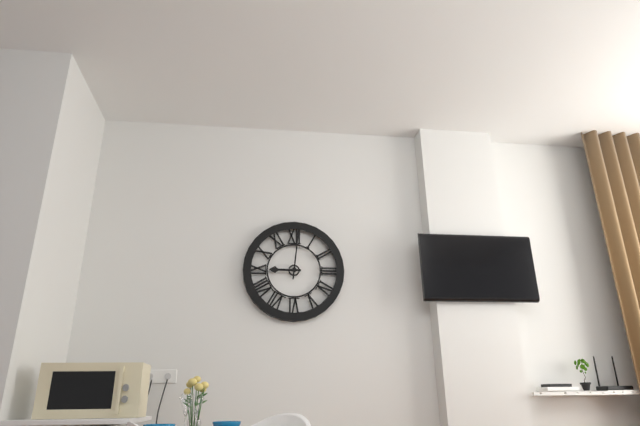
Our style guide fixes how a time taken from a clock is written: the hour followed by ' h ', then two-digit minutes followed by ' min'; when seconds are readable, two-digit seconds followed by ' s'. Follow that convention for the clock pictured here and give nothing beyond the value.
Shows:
9 h 01 min
